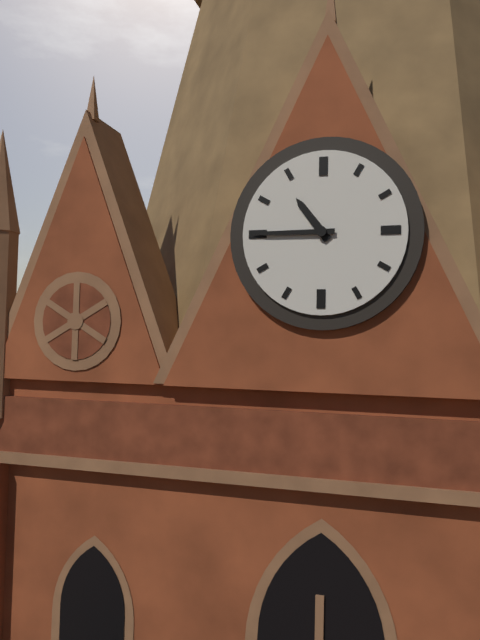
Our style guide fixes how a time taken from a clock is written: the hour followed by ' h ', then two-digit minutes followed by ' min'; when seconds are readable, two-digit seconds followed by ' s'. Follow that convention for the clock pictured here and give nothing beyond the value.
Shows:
10 h 45 min
